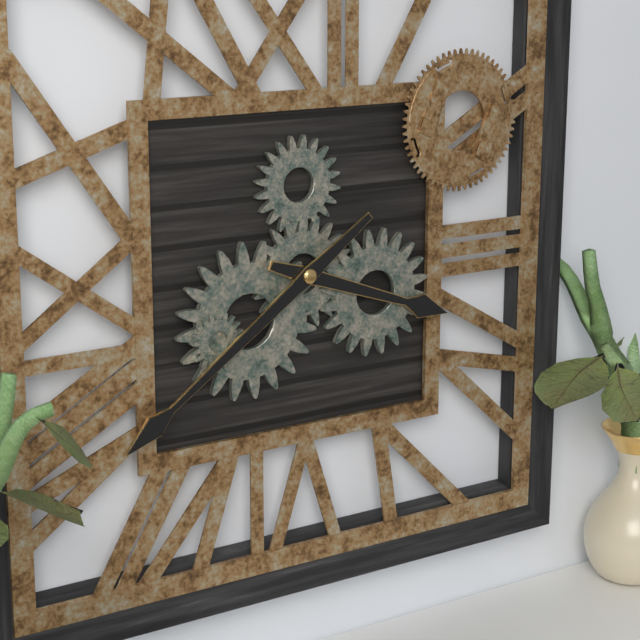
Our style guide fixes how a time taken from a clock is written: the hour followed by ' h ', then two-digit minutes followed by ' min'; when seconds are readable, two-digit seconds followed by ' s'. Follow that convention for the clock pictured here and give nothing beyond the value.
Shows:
3 h 39 min
